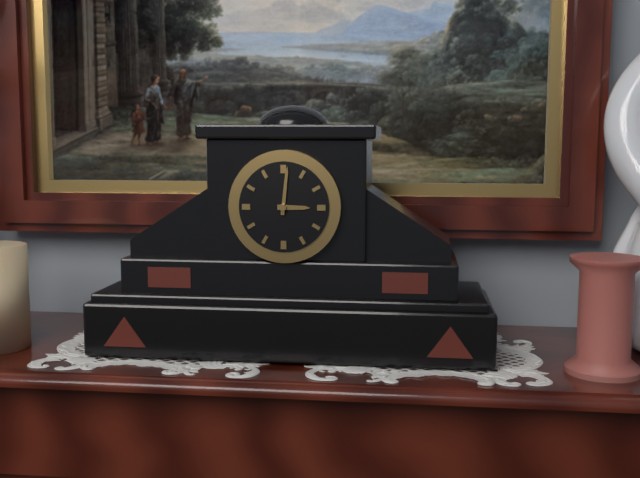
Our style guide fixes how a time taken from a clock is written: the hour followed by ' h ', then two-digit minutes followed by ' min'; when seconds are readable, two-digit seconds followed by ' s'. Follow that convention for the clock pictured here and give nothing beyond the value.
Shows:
3 h 01 min
